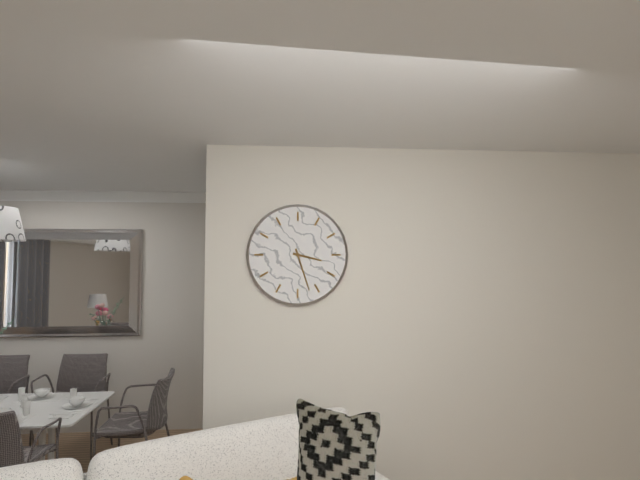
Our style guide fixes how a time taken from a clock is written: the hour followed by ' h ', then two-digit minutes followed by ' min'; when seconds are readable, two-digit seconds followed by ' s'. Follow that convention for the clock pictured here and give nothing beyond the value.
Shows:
3 h 27 min
